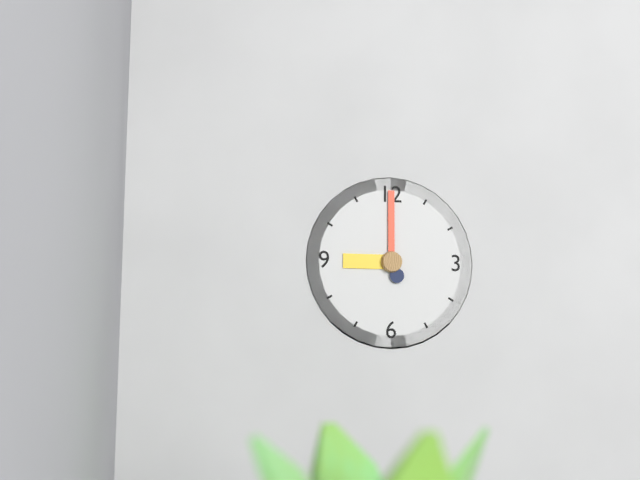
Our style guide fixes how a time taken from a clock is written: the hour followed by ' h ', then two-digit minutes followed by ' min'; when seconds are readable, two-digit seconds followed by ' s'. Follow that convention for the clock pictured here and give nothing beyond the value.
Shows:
9 h 00 min
